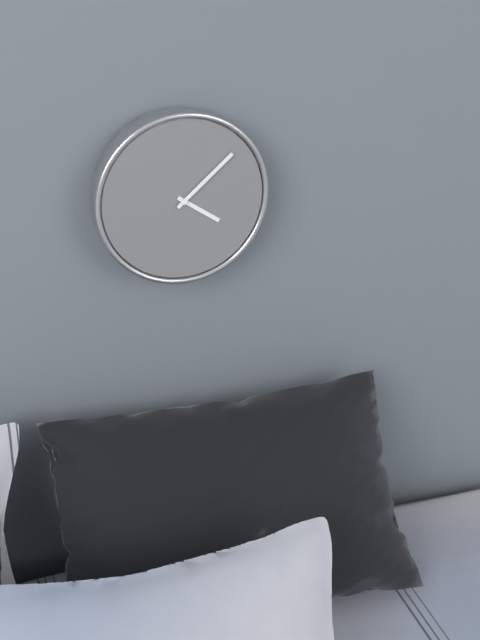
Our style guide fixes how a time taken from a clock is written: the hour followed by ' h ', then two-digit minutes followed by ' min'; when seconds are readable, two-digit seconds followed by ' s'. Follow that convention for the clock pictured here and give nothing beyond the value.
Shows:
4 h 08 min
